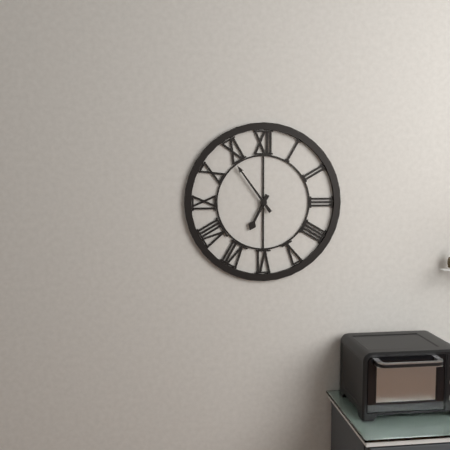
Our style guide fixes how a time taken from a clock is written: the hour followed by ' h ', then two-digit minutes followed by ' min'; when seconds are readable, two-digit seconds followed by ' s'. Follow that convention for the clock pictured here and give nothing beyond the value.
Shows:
6 h 54 min
